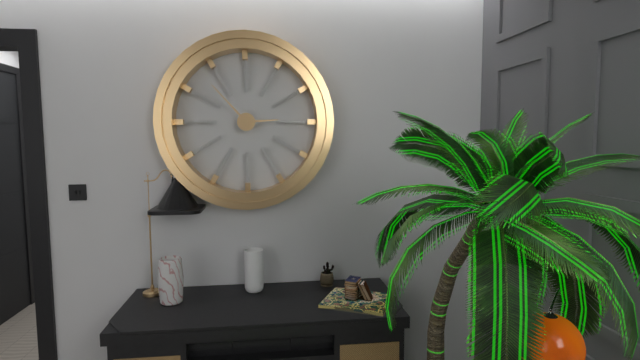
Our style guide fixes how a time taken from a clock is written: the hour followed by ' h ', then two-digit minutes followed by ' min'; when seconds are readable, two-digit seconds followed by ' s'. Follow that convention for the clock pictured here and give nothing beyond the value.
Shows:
2 h 53 min
